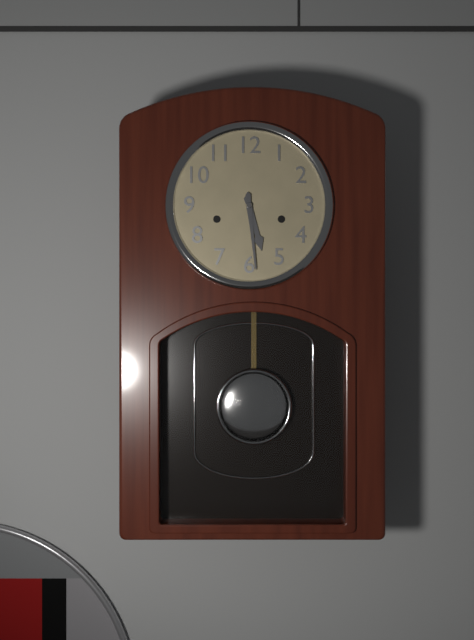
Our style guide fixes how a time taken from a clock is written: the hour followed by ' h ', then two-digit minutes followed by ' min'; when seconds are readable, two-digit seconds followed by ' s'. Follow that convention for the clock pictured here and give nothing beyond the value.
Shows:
5 h 29 min
